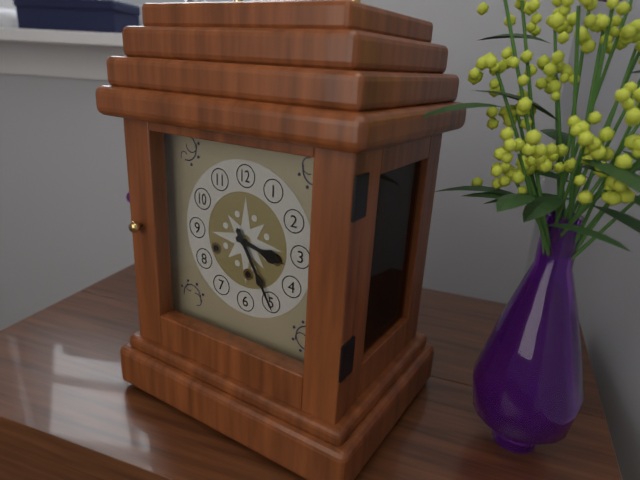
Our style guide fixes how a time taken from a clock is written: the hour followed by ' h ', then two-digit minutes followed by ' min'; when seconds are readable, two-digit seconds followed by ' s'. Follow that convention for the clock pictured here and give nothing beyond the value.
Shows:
3 h 25 min
